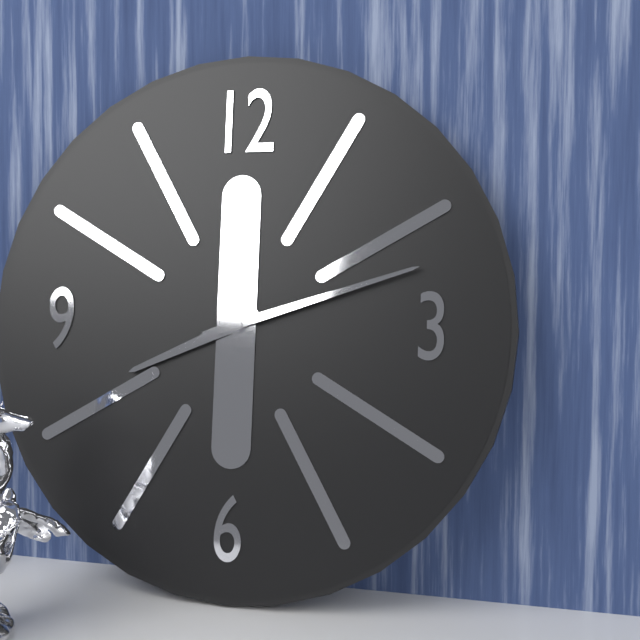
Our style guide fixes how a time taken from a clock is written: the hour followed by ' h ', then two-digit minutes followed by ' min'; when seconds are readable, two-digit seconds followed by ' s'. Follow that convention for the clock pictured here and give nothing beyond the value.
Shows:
8 h 12 min
